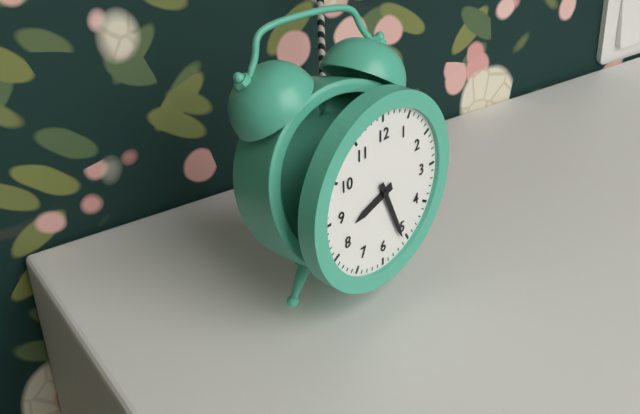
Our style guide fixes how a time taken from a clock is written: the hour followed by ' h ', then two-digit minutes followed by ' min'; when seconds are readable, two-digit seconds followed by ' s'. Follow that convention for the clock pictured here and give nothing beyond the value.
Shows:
8 h 26 min
